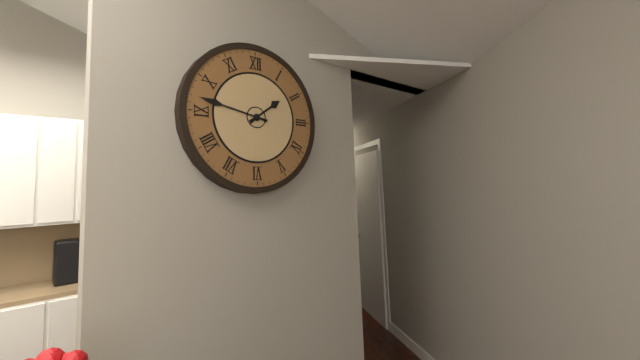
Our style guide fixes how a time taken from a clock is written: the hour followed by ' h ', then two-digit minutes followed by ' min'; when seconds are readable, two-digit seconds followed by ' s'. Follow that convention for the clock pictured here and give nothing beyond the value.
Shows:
1 h 47 min
